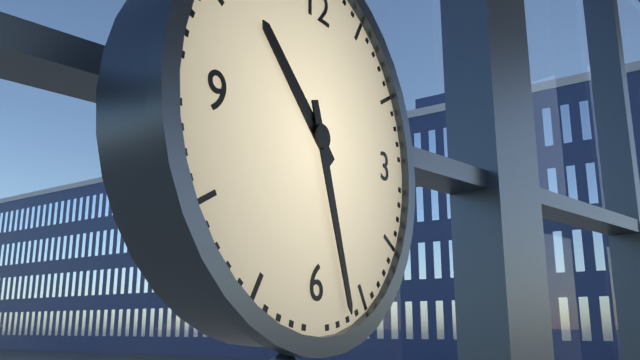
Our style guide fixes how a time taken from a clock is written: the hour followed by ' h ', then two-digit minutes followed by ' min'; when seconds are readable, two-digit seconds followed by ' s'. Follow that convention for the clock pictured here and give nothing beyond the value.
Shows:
10 h 27 min
